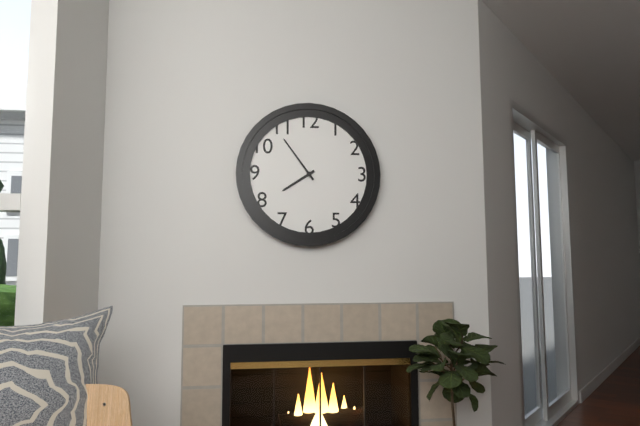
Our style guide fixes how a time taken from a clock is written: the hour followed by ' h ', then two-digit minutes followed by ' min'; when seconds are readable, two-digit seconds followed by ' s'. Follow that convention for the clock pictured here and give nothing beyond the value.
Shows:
7 h 54 min
